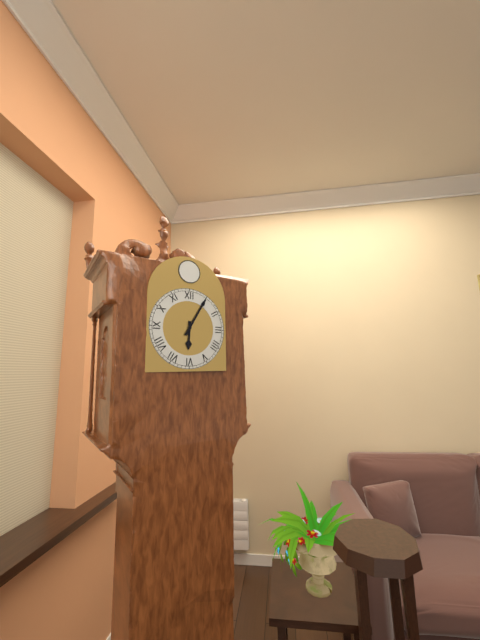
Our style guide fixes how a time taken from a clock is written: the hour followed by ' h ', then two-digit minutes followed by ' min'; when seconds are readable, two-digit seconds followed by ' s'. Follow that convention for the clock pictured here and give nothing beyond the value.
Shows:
6 h 05 min
